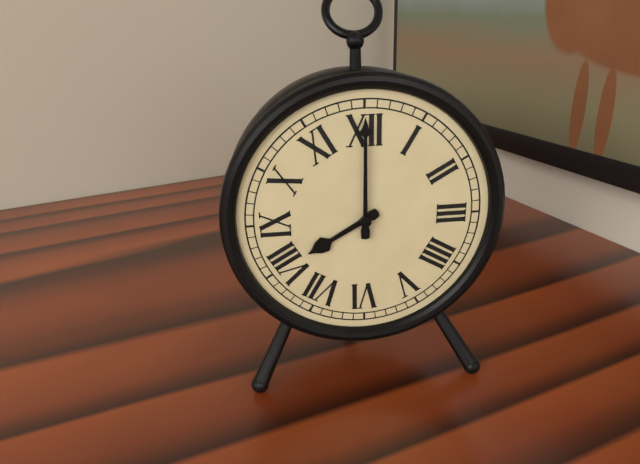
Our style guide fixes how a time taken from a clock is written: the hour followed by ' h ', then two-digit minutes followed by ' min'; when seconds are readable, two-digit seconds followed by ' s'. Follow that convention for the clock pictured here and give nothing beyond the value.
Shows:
8 h 00 min
